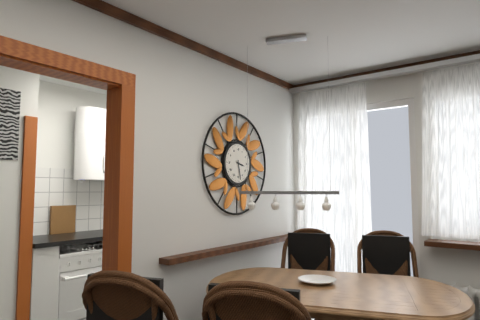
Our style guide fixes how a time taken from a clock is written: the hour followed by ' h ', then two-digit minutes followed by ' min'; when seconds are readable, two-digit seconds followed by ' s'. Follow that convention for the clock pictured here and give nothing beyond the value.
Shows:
3 h 28 min
